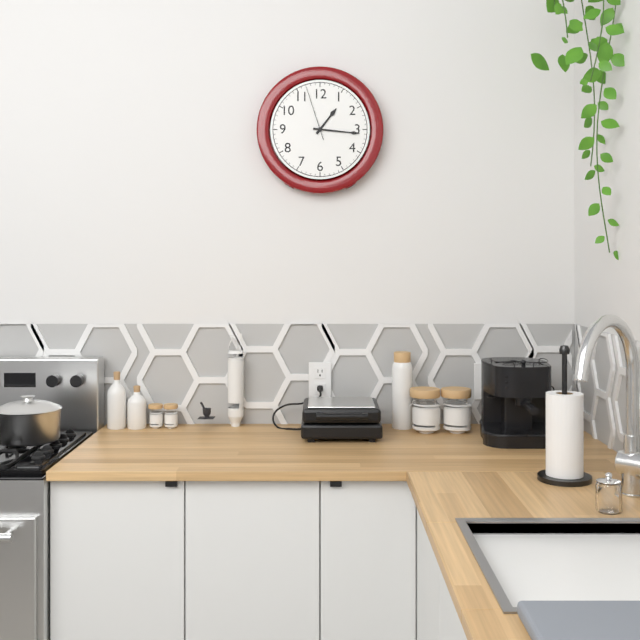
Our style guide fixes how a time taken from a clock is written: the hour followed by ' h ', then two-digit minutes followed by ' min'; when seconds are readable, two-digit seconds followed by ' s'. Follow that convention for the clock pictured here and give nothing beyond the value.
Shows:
1 h 16 min 57 s
